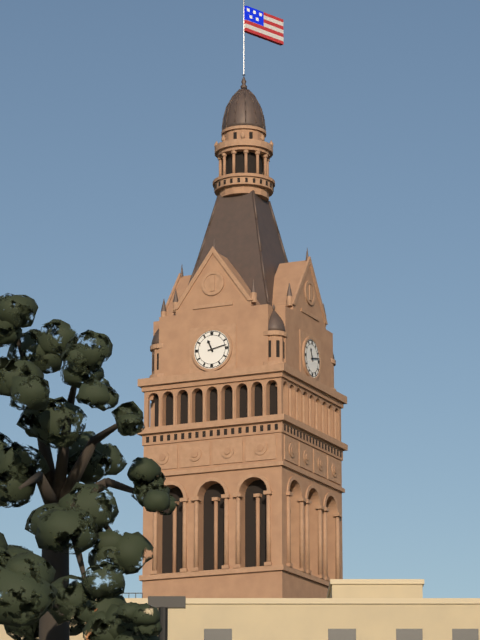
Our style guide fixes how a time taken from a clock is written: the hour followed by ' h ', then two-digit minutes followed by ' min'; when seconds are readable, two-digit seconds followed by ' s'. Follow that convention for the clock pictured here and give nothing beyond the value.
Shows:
11 h 13 min
